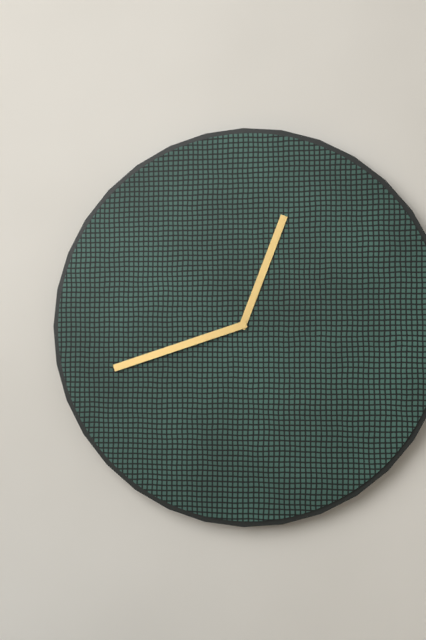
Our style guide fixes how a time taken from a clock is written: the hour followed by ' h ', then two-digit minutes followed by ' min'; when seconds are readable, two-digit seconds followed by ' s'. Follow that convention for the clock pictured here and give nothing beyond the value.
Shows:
12 h 42 min
